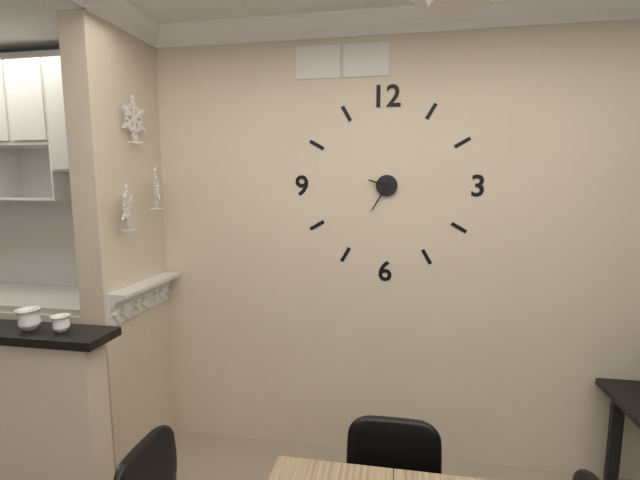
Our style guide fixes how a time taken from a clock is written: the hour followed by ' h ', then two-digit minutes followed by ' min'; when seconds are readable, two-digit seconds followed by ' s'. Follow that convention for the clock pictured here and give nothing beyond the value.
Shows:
9 h 35 min
